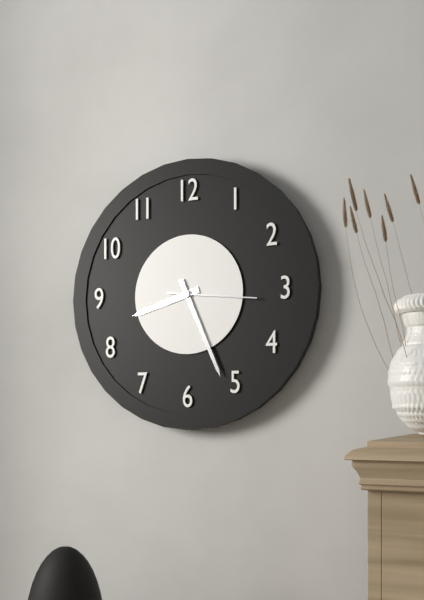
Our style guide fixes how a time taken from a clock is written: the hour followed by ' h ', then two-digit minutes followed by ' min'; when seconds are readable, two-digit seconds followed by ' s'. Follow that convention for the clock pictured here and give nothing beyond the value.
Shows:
8 h 26 min 16 s
